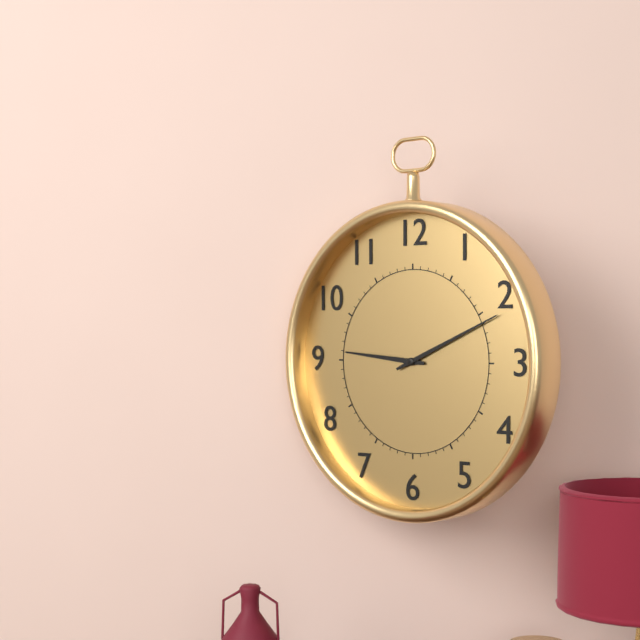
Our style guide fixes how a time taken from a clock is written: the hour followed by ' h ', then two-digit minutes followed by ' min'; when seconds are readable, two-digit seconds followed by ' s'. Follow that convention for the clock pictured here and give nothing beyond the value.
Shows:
9 h 11 min
